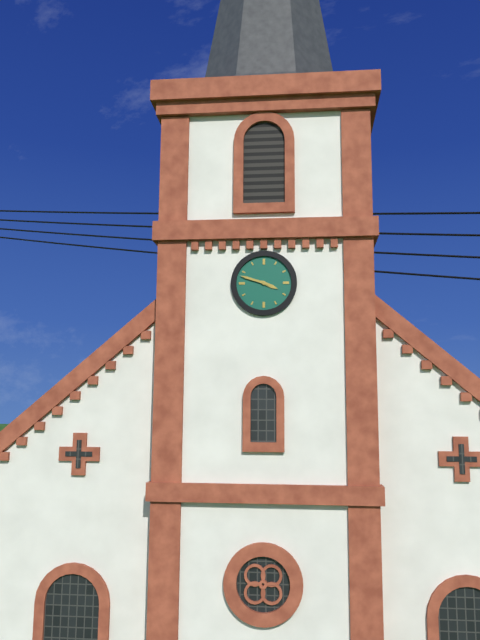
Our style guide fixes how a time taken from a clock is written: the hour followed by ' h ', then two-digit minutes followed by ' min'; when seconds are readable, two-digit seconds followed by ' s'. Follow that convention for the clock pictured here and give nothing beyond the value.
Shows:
3 h 48 min
